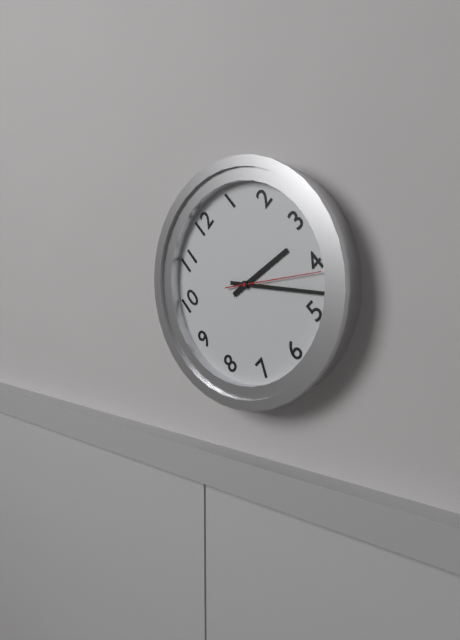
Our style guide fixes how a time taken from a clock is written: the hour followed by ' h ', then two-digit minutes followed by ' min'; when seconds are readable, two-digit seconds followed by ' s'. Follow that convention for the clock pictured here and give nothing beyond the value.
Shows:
3 h 23 min 21 s
